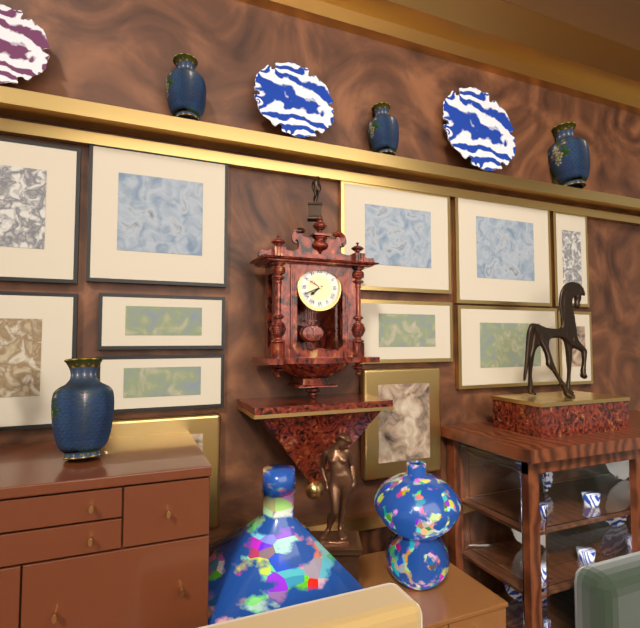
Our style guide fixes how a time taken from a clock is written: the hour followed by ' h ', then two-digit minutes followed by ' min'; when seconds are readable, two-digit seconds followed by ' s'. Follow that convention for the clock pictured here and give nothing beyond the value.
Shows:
7 h 41 min
